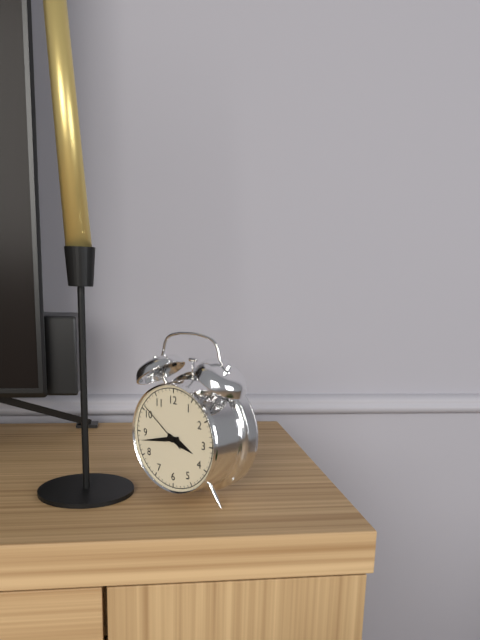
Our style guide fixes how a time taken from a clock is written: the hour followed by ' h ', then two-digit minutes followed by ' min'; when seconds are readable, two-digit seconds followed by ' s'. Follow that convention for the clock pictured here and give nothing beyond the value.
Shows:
3 h 43 min 51 s
